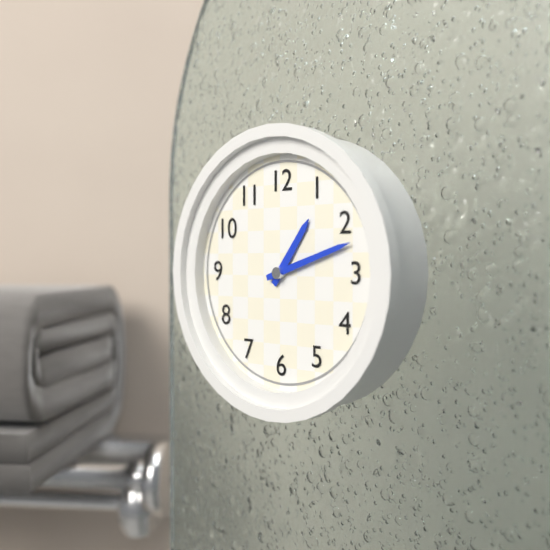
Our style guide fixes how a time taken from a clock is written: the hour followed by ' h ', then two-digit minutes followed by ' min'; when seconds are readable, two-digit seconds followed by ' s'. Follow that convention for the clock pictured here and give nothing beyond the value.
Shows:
1 h 12 min
